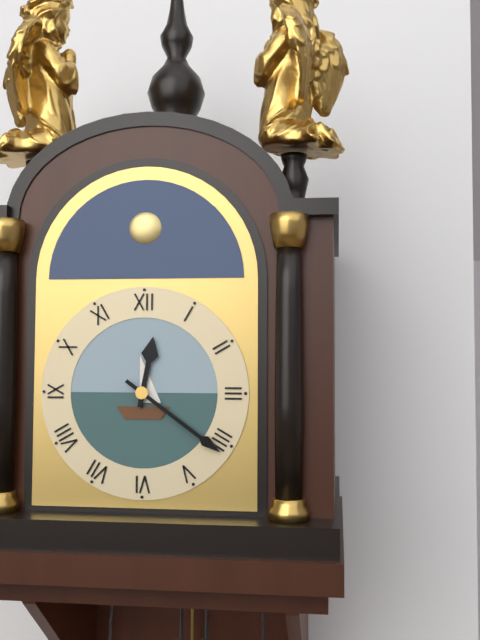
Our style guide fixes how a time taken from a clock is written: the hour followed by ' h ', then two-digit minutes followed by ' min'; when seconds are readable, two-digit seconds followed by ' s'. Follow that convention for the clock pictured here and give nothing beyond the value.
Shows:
12 h 21 min
